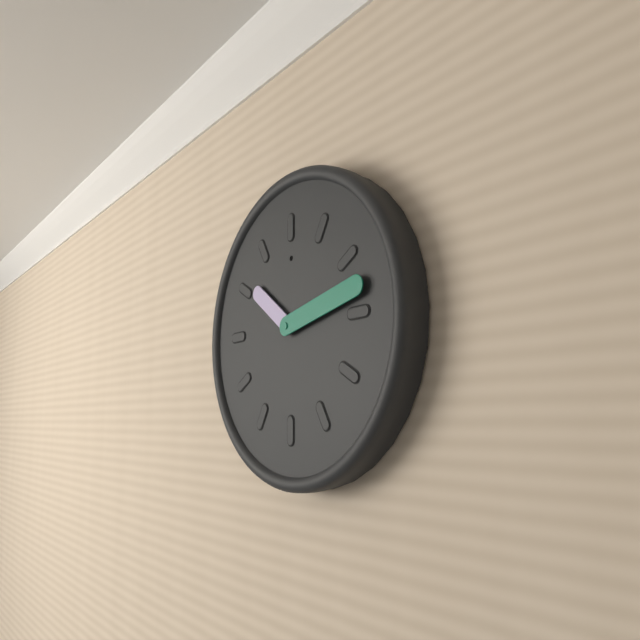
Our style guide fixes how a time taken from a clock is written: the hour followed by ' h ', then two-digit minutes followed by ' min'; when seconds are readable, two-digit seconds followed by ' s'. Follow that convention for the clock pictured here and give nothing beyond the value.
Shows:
10 h 13 min
